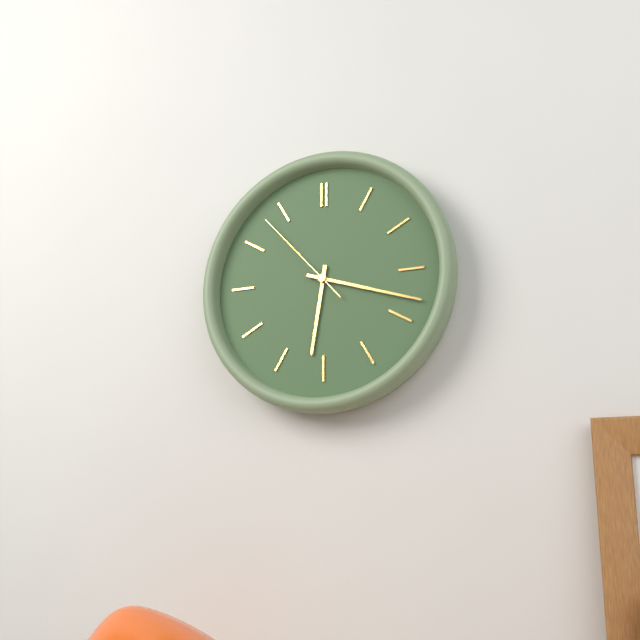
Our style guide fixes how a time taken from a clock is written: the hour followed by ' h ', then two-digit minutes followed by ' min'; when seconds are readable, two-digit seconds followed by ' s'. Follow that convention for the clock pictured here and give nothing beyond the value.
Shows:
6 h 18 min 53 s
